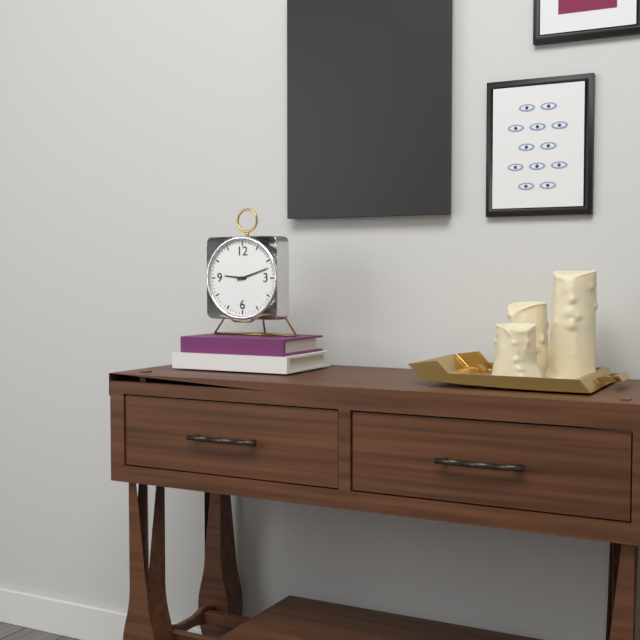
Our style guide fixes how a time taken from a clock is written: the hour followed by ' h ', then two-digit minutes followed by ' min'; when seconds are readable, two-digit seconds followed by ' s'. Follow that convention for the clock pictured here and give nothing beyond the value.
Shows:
9 h 12 min
